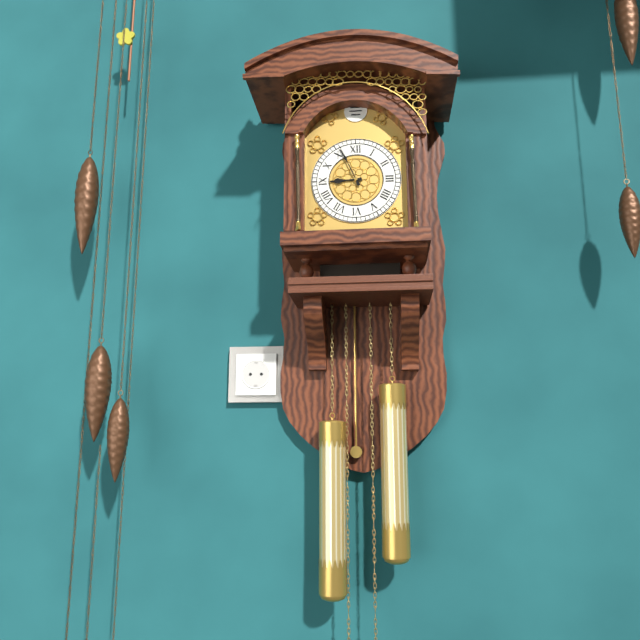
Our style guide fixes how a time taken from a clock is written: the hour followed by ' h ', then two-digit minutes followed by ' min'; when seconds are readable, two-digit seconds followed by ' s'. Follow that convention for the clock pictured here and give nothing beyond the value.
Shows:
8 h 56 min
